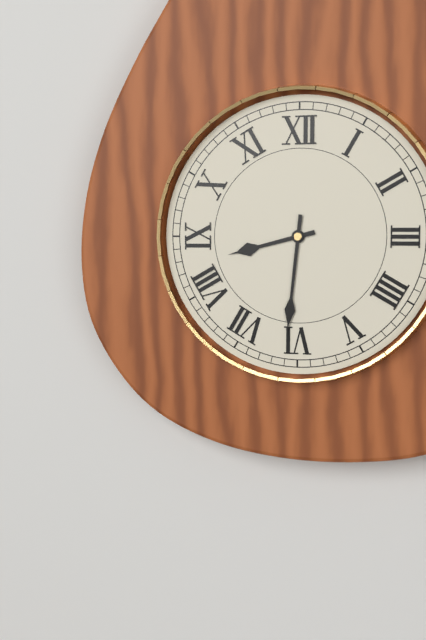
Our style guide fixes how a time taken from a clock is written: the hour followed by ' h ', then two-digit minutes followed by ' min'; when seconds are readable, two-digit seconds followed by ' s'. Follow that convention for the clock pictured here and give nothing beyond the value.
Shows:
8 h 31 min
